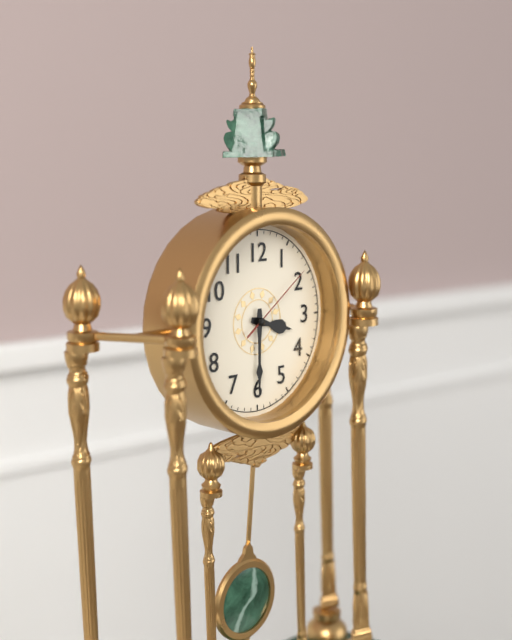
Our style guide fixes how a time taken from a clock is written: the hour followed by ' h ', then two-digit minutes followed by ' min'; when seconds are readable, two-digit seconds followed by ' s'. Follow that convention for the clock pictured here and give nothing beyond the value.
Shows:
3 h 30 min 09 s
